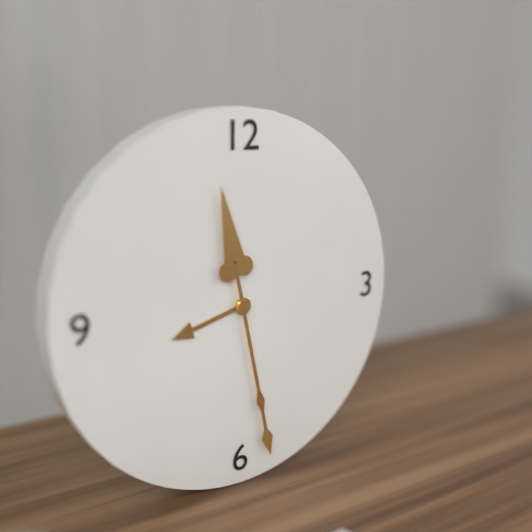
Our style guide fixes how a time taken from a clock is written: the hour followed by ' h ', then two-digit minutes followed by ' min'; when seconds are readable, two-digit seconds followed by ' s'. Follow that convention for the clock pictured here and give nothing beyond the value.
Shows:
8 h 28 min
